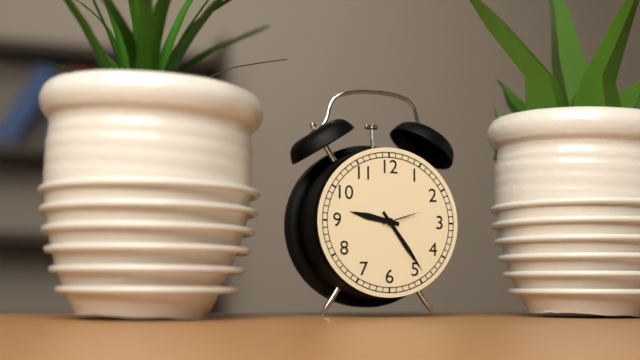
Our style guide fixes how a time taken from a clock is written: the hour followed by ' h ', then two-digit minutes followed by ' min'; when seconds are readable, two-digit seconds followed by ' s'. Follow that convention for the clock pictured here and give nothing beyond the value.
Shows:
9 h 24 min
